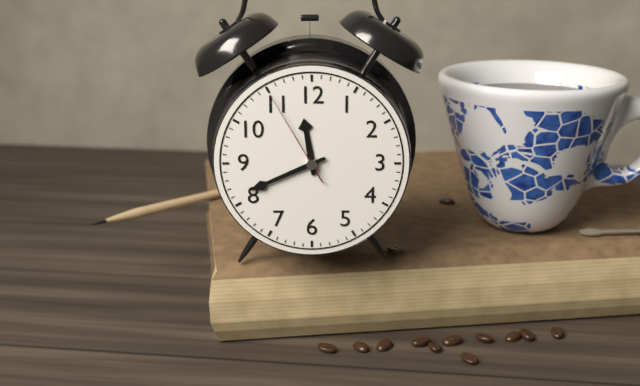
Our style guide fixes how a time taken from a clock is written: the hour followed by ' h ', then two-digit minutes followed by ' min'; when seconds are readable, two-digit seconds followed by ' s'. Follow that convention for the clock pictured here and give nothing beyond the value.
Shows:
11 h 41 min 55 s
